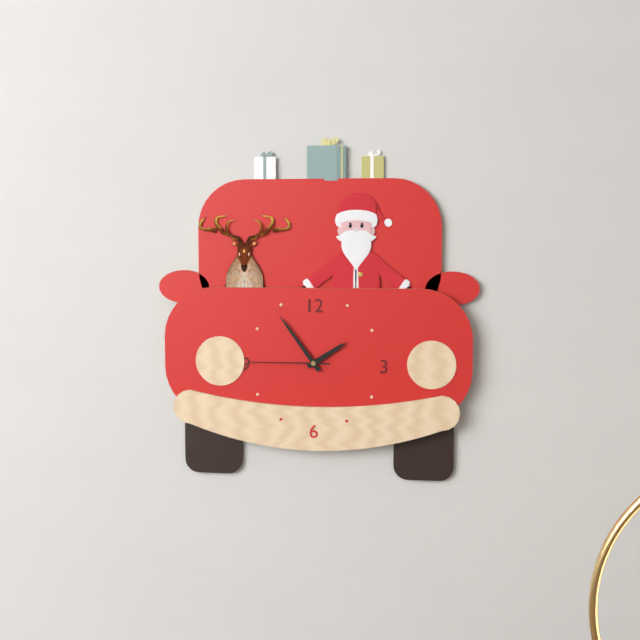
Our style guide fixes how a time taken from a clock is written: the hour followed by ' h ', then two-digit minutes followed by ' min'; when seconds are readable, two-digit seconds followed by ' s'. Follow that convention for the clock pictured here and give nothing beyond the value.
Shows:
1 h 54 min 45 s
